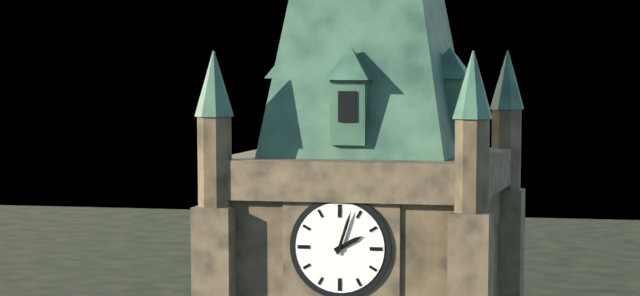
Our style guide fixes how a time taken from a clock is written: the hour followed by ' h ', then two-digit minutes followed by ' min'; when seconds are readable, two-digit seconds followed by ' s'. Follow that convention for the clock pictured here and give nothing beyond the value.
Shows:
2 h 03 min
